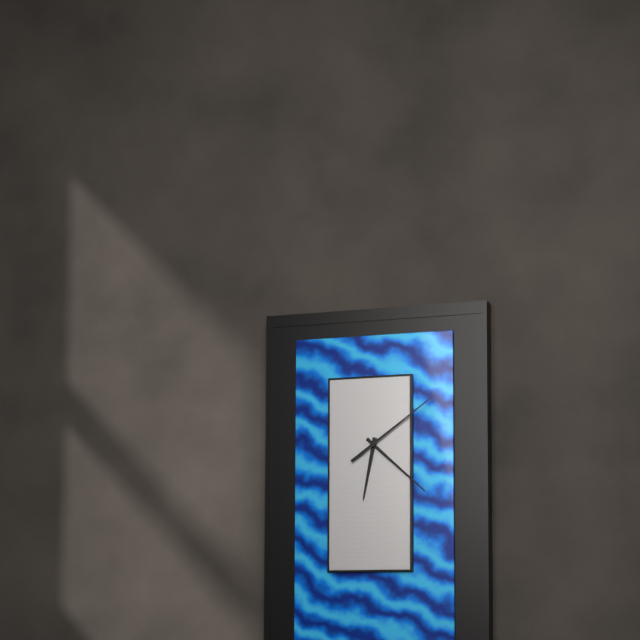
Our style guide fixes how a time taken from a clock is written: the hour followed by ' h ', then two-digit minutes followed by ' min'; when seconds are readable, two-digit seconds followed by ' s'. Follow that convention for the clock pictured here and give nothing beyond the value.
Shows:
6 h 22 min 09 s
